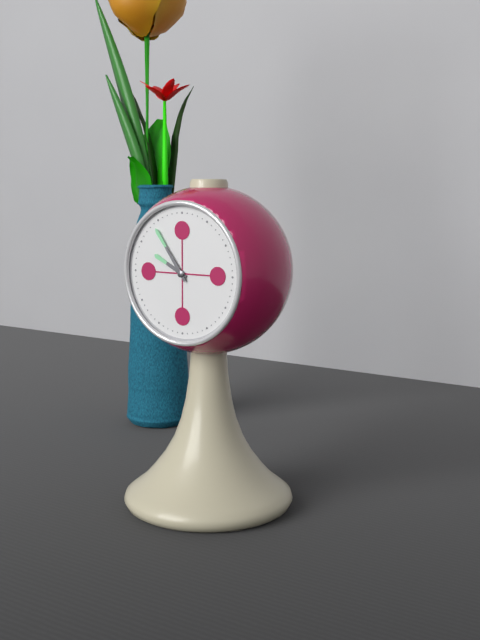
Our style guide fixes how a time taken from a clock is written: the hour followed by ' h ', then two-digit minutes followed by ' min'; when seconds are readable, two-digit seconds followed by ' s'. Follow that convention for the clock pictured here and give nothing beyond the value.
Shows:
9 h 54 min
